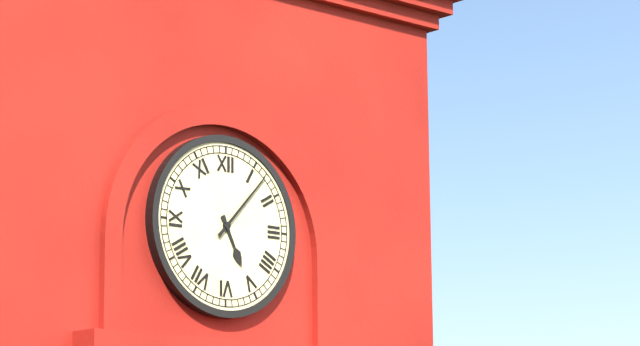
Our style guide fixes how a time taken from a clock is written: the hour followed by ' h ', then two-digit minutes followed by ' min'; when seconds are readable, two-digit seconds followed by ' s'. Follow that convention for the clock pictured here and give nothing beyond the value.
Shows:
5 h 07 min
